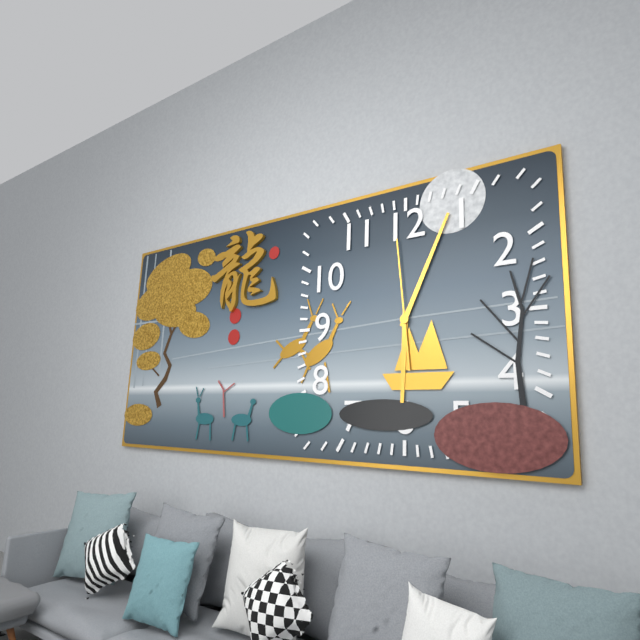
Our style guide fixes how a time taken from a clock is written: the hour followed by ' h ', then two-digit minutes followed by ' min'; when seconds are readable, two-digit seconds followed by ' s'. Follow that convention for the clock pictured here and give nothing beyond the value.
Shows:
6 h 04 min 59 s
